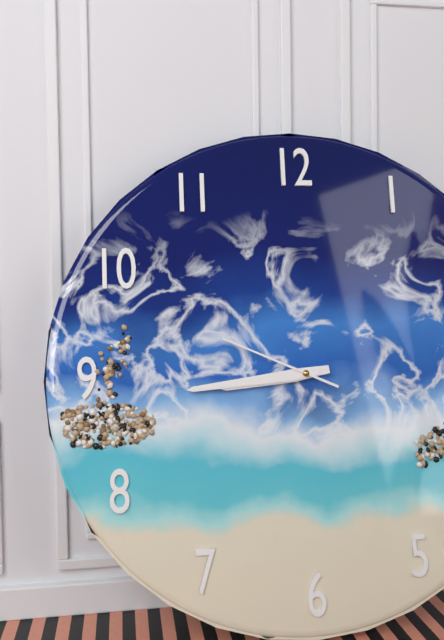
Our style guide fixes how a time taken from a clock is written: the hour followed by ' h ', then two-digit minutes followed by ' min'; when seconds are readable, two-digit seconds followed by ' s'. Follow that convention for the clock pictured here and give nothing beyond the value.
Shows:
8 h 44 min 49 s
